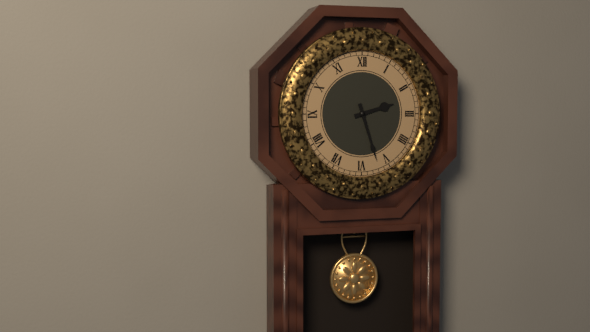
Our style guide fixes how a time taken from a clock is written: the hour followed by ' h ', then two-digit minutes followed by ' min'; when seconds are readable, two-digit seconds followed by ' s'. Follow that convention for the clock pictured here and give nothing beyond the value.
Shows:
2 h 27 min
